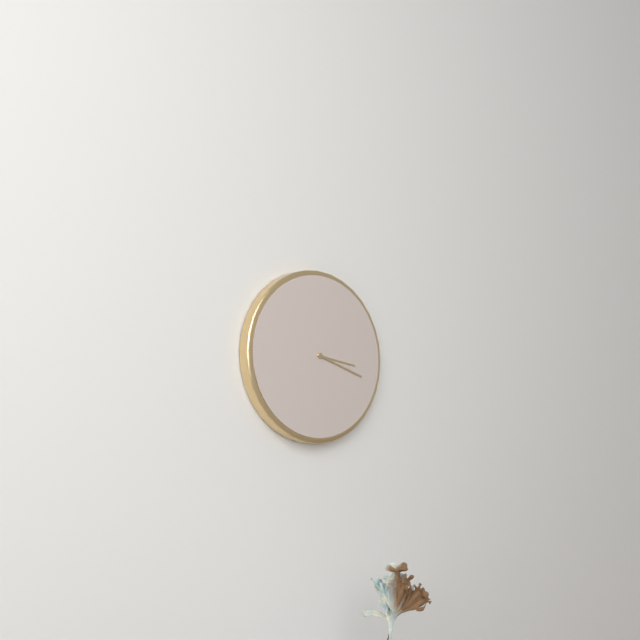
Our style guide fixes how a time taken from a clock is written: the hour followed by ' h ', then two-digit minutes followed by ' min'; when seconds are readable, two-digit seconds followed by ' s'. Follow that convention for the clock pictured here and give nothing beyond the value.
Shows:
3 h 18 min
